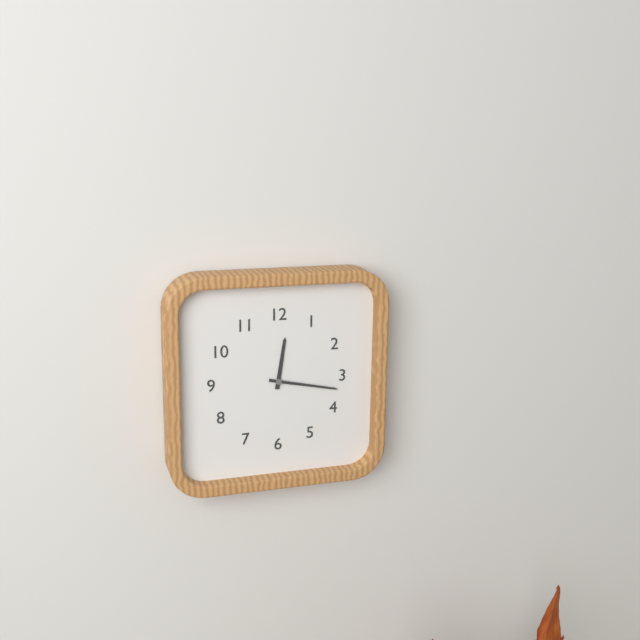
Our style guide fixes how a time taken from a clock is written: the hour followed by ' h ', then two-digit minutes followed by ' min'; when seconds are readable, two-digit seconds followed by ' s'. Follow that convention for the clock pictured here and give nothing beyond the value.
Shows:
12 h 17 min
